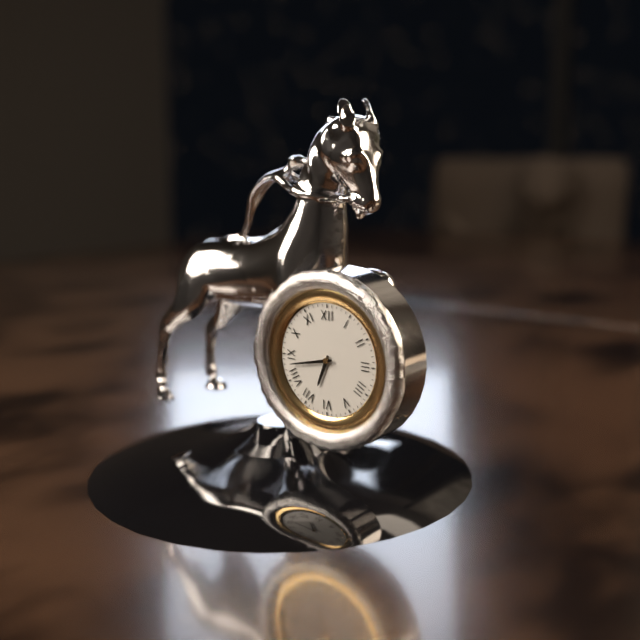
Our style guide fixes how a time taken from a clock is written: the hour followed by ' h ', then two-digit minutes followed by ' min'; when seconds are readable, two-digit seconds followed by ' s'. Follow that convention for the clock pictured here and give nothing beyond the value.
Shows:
6 h 43 min
